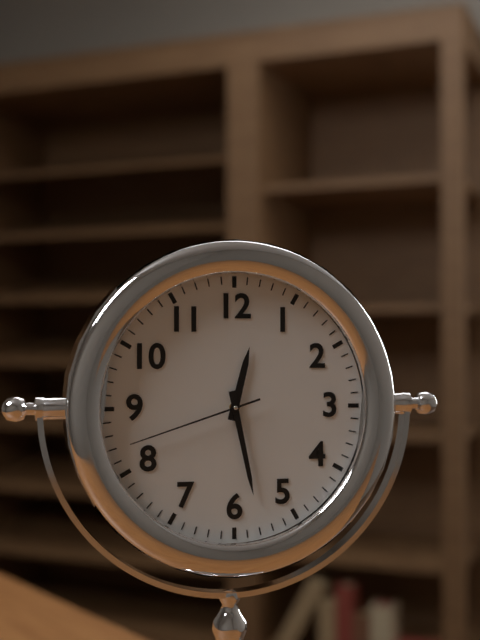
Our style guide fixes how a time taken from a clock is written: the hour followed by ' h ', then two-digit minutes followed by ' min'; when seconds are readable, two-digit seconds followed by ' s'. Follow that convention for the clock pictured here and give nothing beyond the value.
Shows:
12 h 28 min 42 s
